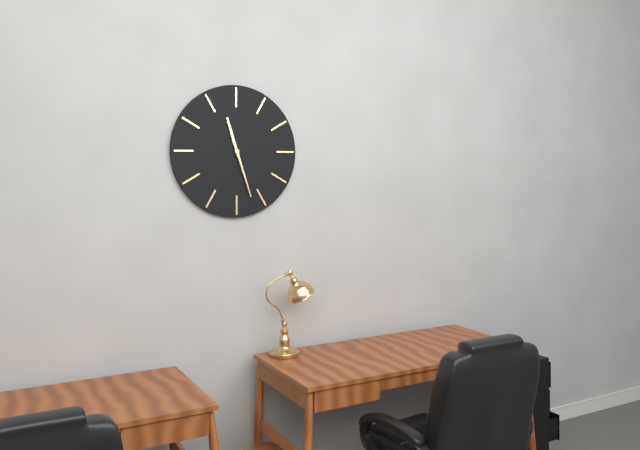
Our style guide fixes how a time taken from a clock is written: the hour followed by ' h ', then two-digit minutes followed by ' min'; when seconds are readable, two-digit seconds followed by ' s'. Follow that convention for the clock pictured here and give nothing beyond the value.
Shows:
11 h 27 min
